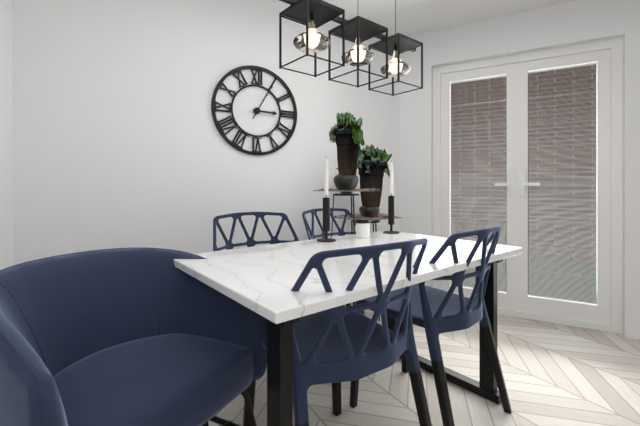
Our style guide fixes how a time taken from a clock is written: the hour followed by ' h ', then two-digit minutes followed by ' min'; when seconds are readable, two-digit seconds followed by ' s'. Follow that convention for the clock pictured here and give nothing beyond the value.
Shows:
3 h 05 min
